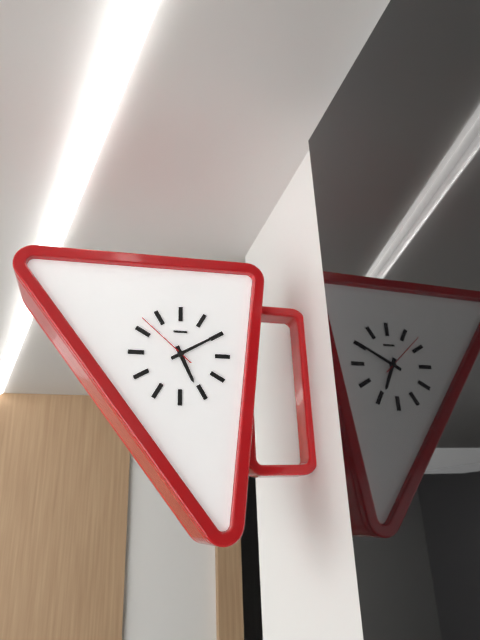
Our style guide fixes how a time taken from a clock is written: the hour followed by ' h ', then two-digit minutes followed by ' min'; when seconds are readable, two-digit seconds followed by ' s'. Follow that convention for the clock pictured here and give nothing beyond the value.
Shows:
5 h 10 min 52 s
